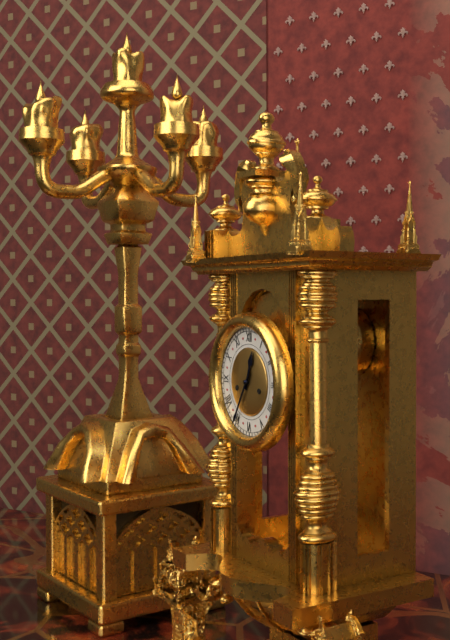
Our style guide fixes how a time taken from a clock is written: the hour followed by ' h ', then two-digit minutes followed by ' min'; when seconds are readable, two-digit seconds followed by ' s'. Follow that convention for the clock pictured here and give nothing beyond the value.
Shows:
12 h 35 min
